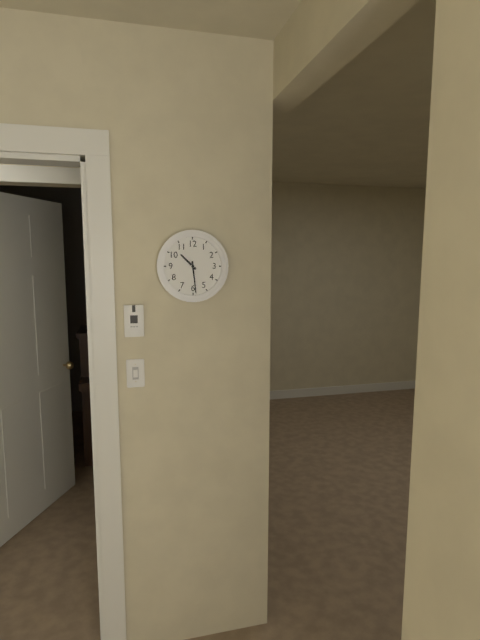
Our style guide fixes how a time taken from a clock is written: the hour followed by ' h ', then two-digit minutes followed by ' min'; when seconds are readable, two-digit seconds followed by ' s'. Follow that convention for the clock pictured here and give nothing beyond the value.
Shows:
10 h 29 min
